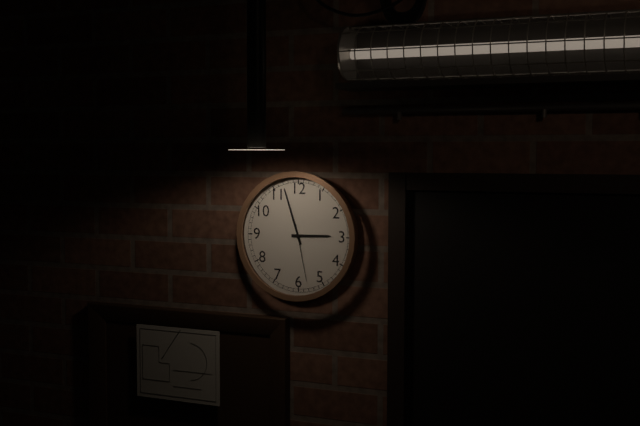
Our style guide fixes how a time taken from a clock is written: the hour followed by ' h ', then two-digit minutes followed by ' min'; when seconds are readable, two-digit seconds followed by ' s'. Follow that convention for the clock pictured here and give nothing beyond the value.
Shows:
2 h 57 min 28 s
